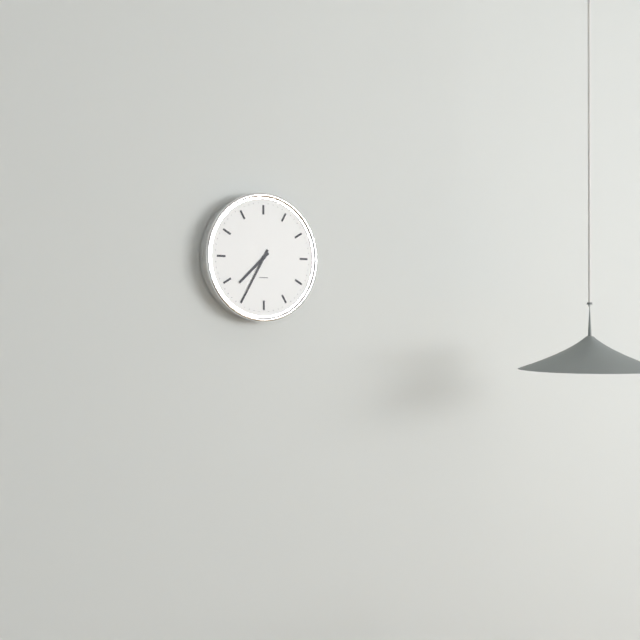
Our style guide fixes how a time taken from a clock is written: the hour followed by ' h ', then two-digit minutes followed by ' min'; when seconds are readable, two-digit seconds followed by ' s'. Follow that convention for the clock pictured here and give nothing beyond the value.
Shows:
7 h 35 min
